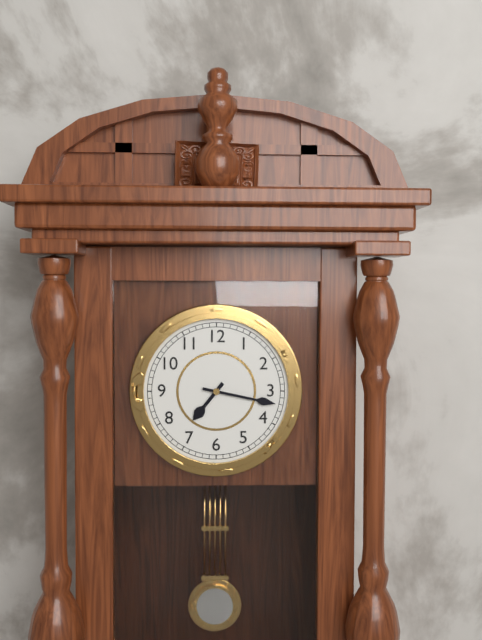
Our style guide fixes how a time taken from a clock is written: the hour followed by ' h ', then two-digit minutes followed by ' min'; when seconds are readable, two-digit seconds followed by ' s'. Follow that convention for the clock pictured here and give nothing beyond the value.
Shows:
7 h 17 min
